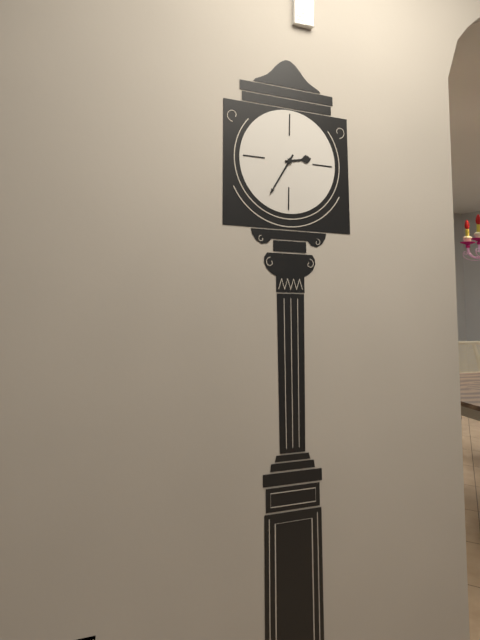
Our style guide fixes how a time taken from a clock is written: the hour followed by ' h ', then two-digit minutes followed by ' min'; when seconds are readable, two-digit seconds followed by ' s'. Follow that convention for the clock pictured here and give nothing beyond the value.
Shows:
2 h 35 min
